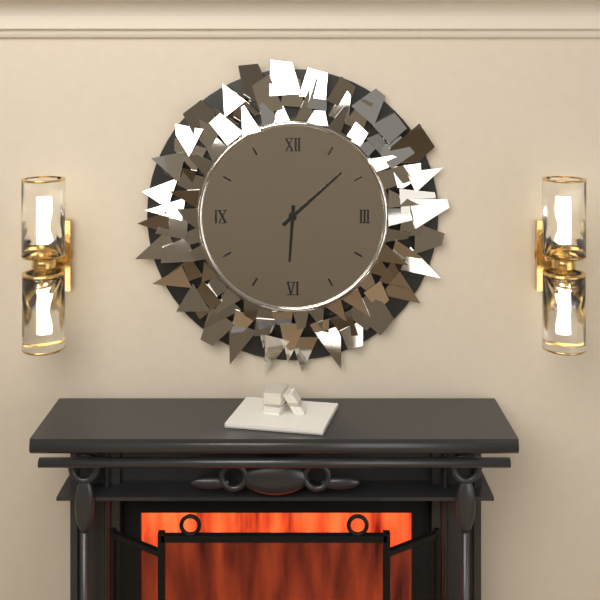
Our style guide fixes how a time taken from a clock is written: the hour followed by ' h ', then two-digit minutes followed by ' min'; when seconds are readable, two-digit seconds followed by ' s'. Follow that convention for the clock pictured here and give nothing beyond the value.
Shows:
6 h 08 min
